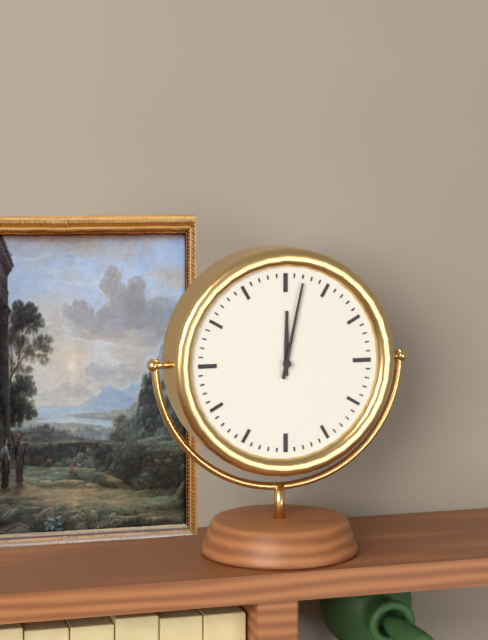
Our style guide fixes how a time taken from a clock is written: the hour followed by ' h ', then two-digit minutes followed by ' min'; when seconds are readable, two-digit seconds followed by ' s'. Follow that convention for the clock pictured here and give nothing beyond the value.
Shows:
12 h 02 min
